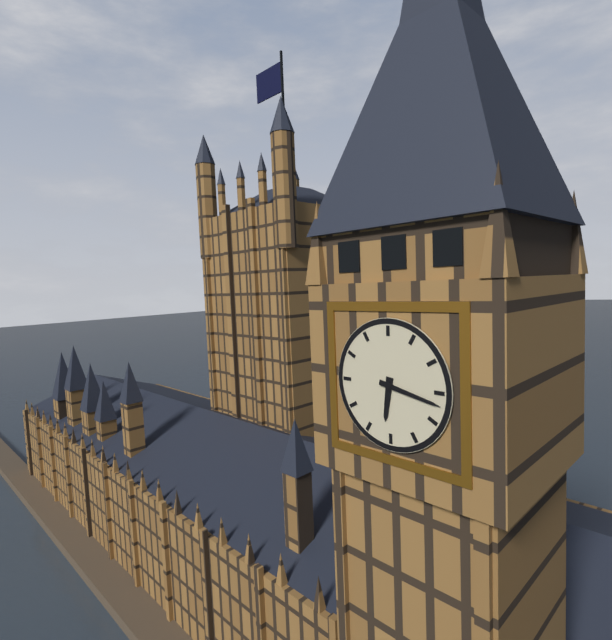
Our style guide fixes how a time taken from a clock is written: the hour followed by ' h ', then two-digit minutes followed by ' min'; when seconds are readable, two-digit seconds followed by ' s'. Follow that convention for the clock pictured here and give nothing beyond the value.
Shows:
6 h 17 min
